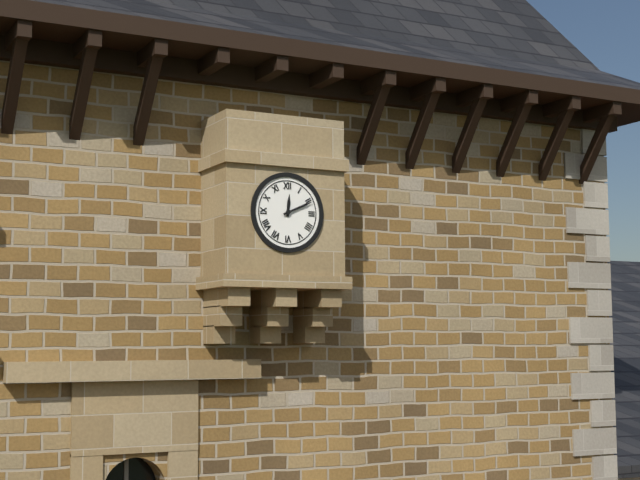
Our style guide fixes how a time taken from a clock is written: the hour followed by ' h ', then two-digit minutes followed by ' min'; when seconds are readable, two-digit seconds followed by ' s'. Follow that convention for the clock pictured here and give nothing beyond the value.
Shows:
12 h 11 min
